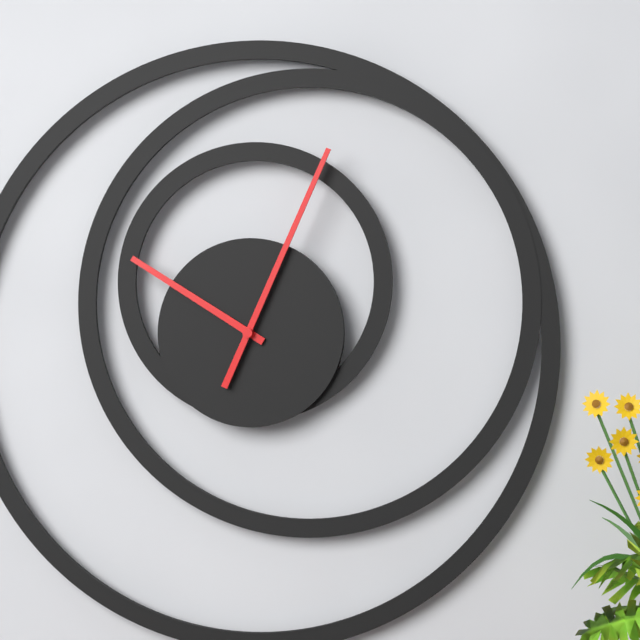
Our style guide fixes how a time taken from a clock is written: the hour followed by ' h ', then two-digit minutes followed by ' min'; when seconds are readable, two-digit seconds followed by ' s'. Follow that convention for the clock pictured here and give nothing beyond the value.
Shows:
10 h 04 min
